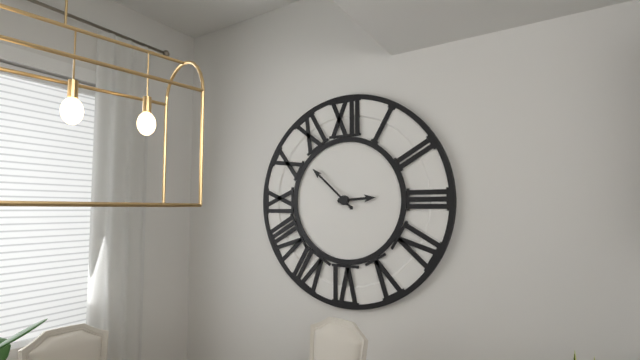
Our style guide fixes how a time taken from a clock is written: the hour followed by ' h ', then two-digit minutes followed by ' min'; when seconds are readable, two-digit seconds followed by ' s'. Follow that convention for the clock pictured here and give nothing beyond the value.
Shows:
2 h 52 min
